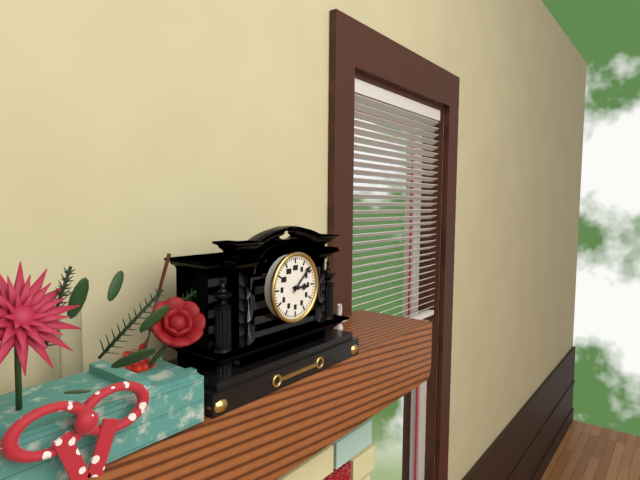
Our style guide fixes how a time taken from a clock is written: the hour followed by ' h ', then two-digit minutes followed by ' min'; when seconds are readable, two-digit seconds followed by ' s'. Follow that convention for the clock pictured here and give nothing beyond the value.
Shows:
3 h 08 min
